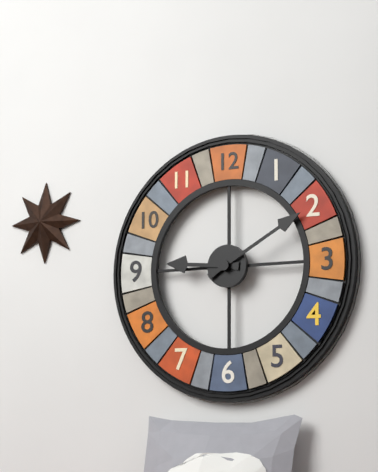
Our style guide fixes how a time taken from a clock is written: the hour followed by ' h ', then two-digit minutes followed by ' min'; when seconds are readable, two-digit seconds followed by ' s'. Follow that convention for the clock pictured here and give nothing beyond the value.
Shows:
9 h 10 min
